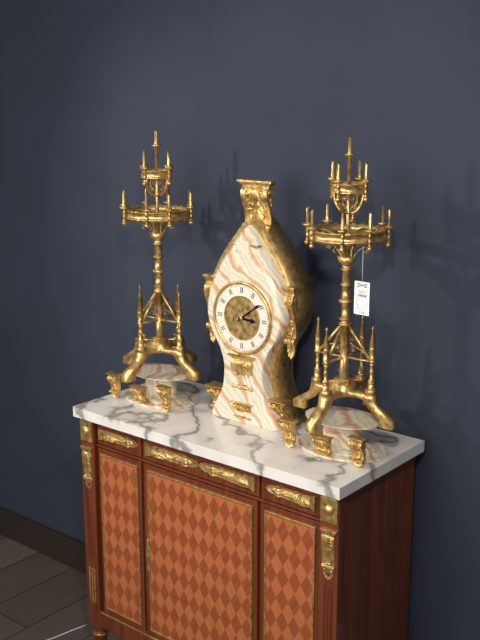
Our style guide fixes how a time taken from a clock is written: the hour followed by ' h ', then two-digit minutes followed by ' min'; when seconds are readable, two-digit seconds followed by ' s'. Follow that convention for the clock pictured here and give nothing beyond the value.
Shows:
3 h 09 min
